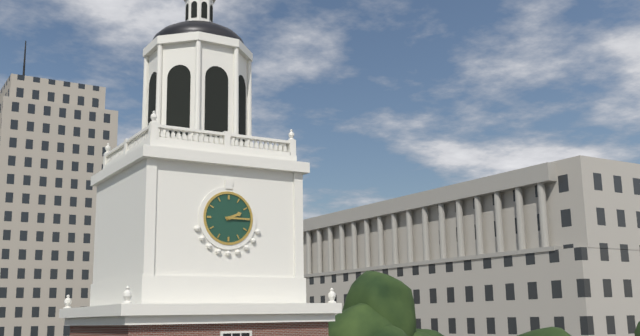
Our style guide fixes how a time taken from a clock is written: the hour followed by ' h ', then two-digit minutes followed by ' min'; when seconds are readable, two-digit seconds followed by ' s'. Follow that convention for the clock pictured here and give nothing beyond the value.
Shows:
2 h 15 min
